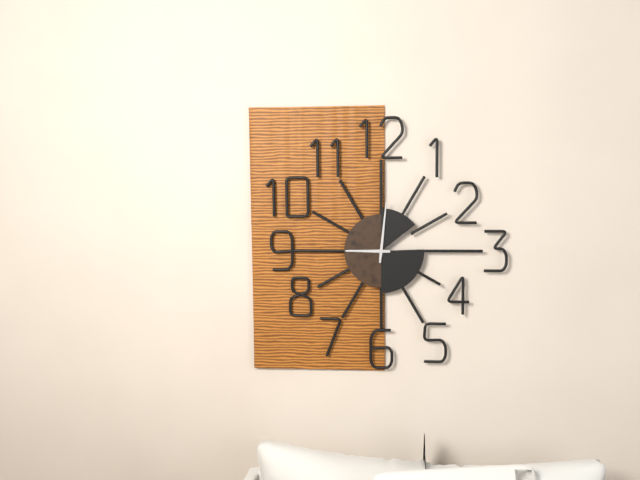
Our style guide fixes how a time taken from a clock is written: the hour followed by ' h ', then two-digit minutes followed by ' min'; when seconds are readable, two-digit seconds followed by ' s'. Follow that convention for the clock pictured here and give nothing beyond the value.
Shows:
9 h 01 min
